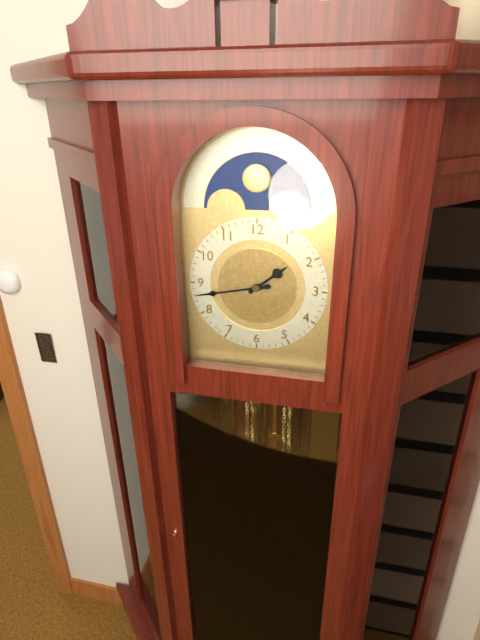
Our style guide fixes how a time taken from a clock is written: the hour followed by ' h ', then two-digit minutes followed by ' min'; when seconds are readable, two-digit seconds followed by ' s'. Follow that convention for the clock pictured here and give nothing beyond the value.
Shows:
1 h 43 min
